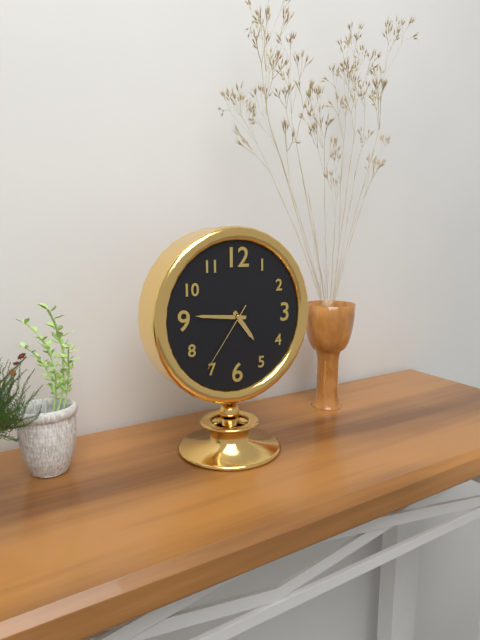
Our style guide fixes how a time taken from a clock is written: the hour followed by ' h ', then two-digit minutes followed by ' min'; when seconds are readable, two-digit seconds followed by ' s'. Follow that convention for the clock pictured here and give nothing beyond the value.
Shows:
4 h 46 min 36 s
